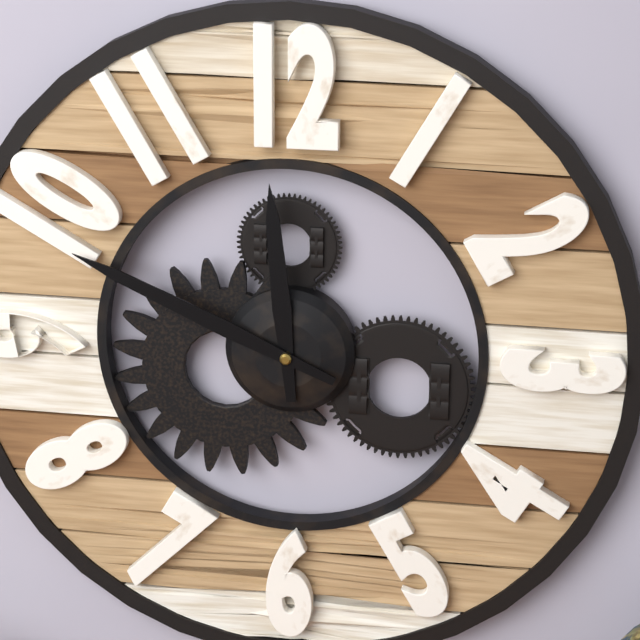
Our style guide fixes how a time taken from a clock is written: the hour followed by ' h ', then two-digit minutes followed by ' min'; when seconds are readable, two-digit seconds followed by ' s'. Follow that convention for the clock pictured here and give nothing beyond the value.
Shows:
11 h 49 min
